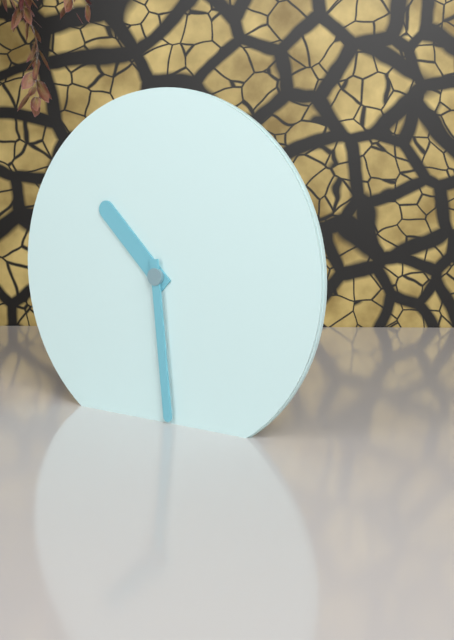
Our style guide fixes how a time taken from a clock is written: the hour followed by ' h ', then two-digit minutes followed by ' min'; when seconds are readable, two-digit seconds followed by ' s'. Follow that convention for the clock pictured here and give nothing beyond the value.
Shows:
10 h 29 min
